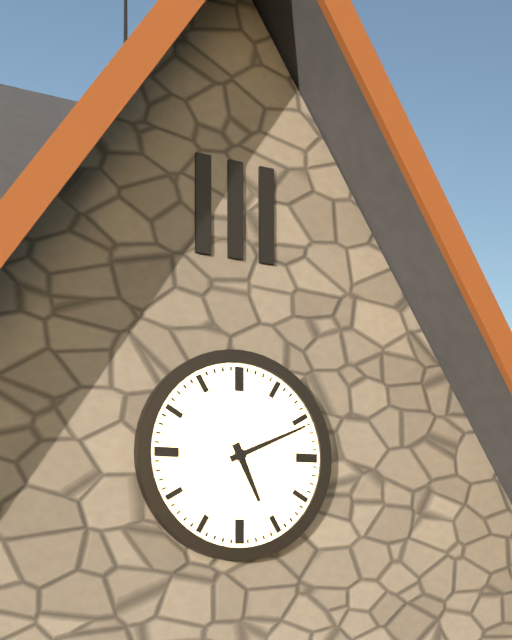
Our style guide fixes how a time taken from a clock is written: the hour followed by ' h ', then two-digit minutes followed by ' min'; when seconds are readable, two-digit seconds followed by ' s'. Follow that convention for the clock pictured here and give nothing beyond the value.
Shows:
5 h 11 min
